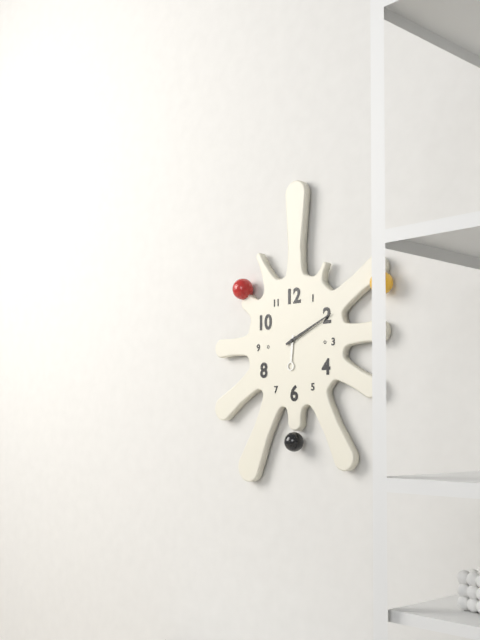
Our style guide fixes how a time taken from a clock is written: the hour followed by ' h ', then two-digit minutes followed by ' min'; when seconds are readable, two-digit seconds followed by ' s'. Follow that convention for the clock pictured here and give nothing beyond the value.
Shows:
6 h 11 min
